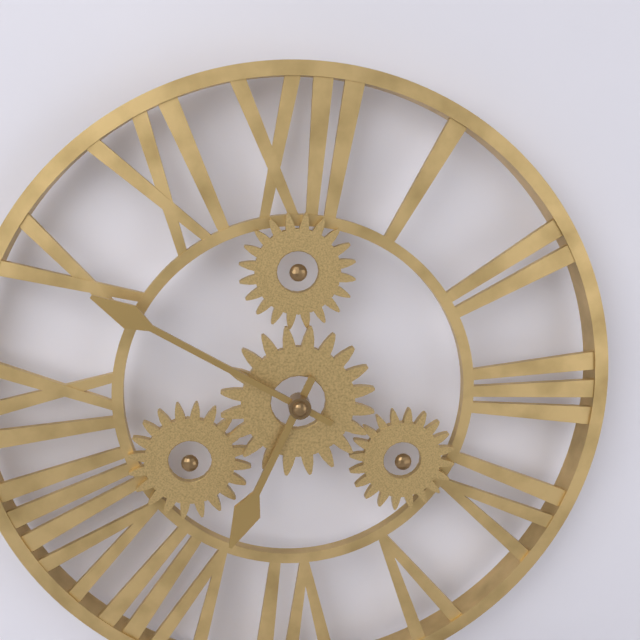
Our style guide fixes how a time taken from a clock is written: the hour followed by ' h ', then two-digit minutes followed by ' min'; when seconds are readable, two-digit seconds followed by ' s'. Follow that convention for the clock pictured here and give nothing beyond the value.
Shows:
6 h 50 min
